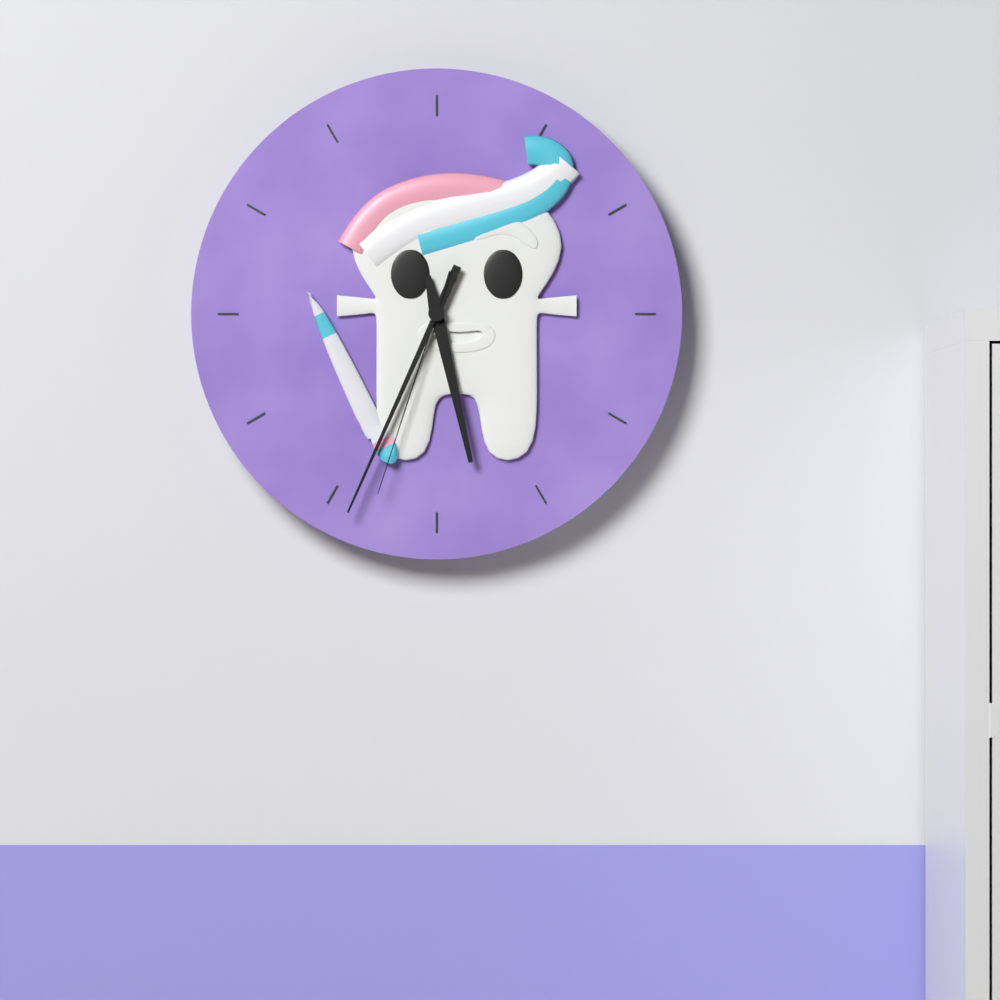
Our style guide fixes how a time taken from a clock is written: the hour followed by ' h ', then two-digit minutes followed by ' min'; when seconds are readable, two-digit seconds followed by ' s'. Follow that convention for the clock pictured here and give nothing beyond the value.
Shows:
5 h 34 min 33 s
